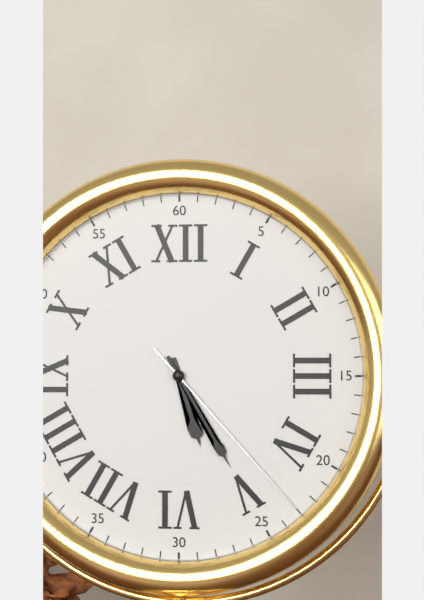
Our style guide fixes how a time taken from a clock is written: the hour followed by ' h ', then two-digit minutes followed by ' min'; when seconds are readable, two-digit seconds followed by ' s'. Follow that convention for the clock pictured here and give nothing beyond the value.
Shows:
5 h 25 min 23 s
